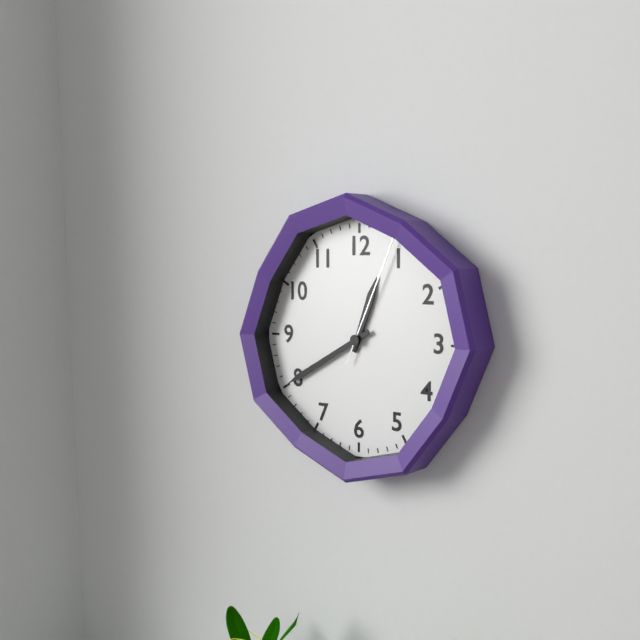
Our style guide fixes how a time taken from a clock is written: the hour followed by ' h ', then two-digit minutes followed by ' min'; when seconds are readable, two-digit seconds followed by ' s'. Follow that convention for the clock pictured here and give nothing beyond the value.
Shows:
12 h 40 min 04 s
